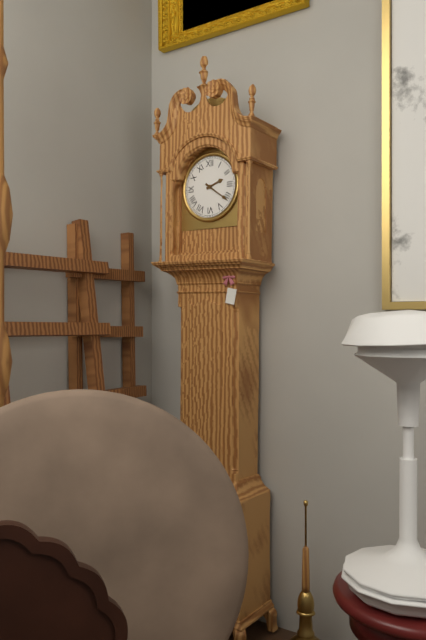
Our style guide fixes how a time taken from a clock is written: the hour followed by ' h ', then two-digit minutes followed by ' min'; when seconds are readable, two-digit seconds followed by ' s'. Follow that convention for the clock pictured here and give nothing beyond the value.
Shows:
2 h 21 min
